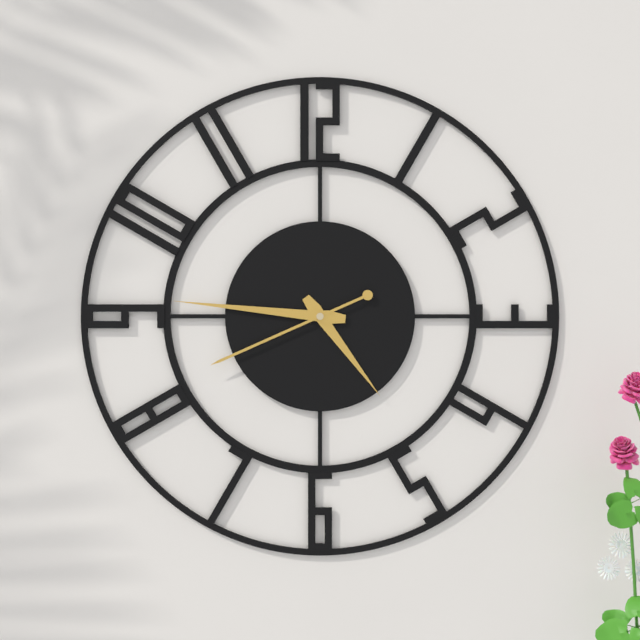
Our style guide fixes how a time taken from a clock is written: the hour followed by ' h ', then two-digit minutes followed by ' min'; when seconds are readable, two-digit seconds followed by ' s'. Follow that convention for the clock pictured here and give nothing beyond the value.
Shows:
4 h 46 min 41 s
